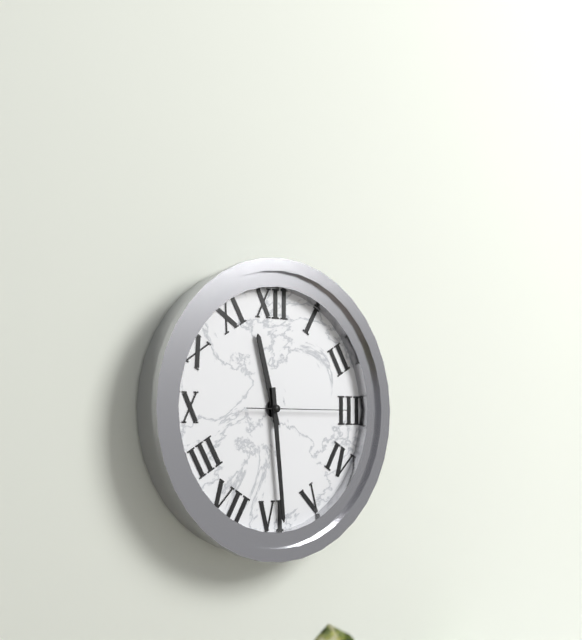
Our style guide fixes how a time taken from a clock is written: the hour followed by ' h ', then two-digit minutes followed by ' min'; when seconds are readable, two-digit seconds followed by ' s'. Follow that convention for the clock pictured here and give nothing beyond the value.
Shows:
11 h 29 min 15 s
